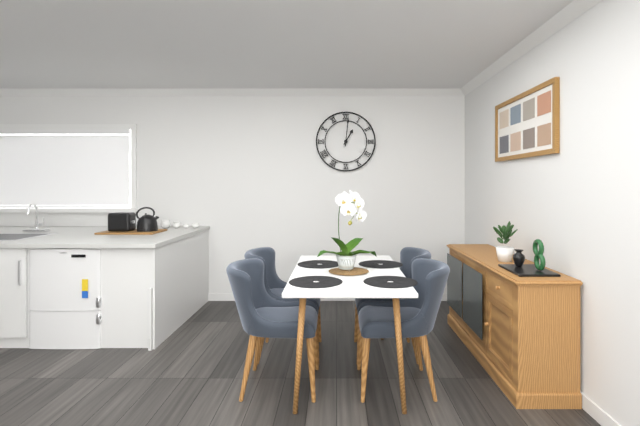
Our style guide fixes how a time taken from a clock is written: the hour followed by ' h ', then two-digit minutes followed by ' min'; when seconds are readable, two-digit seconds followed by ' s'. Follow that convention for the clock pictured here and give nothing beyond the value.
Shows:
1 h 01 min
